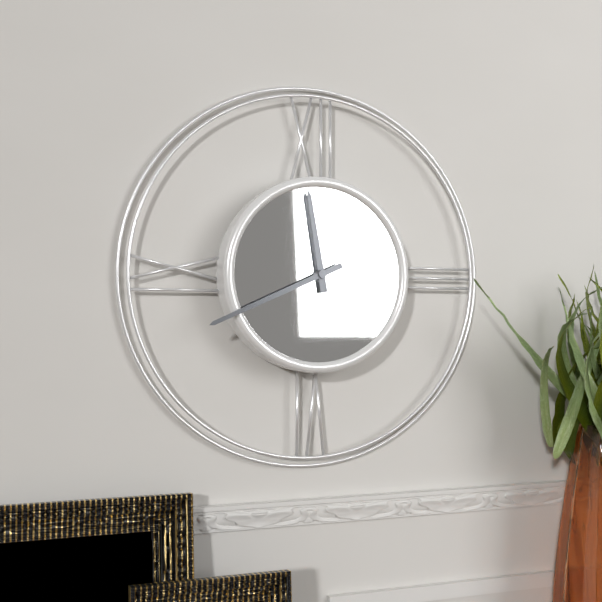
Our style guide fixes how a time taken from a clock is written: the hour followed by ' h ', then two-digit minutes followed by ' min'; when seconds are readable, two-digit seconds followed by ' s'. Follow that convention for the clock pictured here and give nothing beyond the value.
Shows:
11 h 41 min
